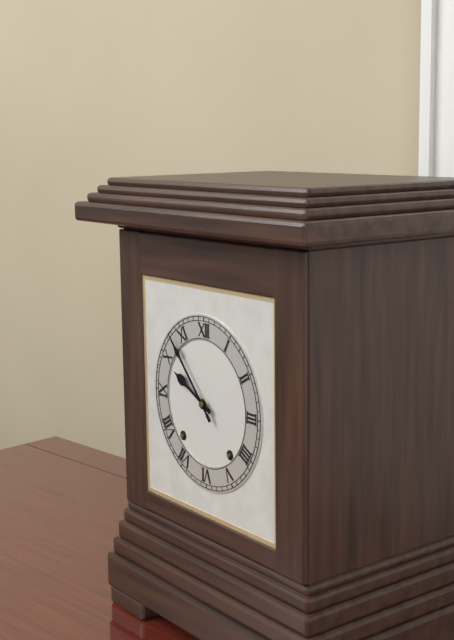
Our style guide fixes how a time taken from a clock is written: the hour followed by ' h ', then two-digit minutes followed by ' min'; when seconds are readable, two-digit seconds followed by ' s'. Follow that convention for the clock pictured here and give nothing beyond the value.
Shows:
9 h 53 min
